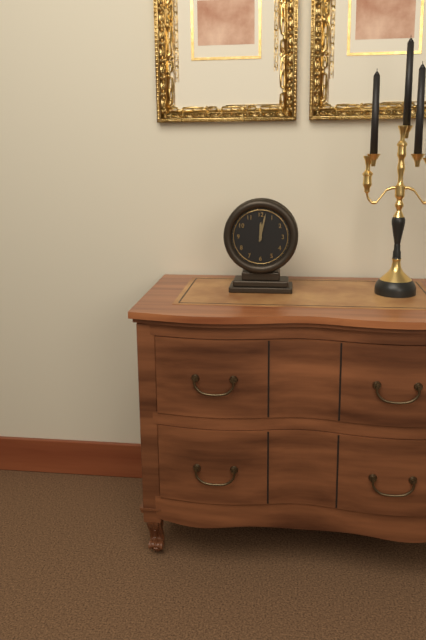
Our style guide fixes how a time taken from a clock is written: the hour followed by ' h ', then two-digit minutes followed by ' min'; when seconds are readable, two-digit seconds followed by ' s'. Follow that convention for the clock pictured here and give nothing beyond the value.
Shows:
12 h 02 min
